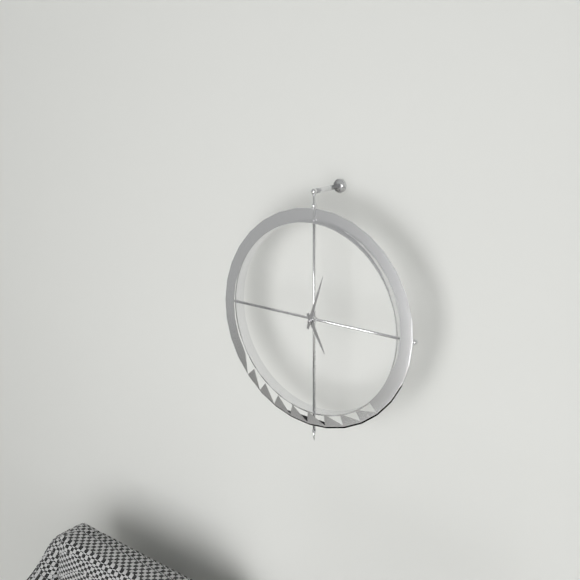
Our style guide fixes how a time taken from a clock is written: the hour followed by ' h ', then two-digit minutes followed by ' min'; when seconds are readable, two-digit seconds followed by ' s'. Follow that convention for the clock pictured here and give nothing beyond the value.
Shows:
5 h 03 min
